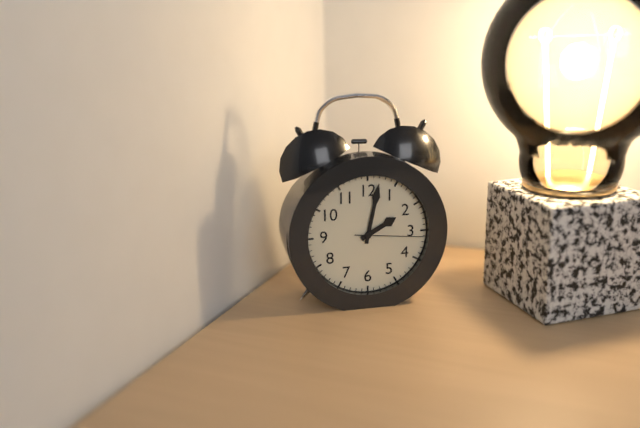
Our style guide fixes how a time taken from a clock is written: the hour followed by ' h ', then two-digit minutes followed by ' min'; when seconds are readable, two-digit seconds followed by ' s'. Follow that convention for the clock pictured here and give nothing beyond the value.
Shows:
2 h 02 min 16 s
